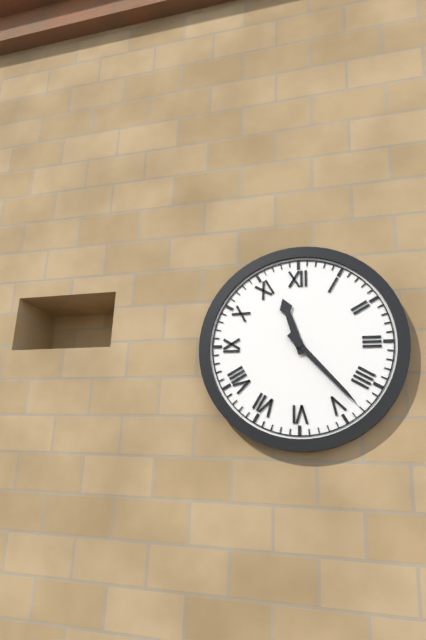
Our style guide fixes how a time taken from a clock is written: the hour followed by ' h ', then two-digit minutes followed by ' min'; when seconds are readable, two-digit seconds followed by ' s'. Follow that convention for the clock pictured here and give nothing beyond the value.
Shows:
11 h 23 min
